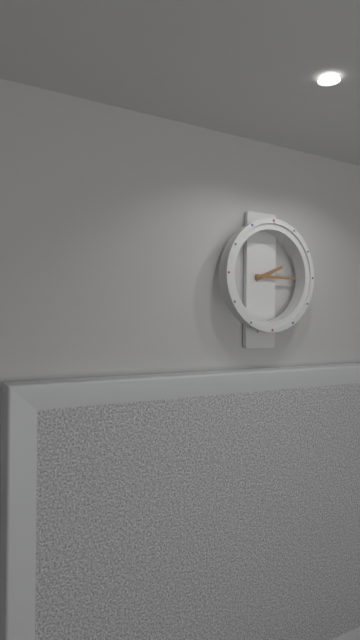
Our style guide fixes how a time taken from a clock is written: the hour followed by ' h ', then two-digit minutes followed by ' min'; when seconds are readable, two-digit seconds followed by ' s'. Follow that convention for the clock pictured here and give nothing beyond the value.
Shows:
2 h 15 min
